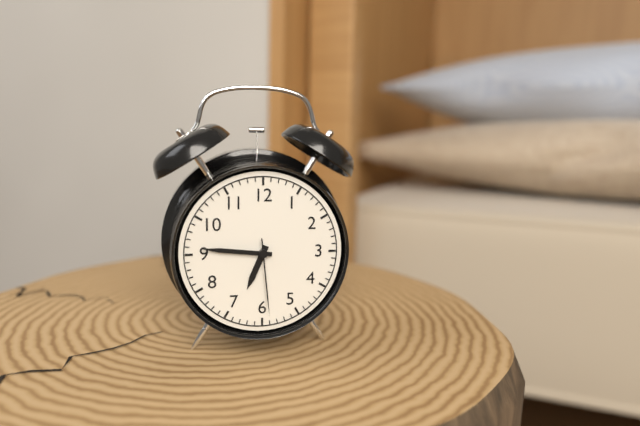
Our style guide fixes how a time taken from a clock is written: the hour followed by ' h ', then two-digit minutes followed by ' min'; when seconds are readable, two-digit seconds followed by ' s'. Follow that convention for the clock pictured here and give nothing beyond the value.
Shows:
6 h 46 min 29 s
